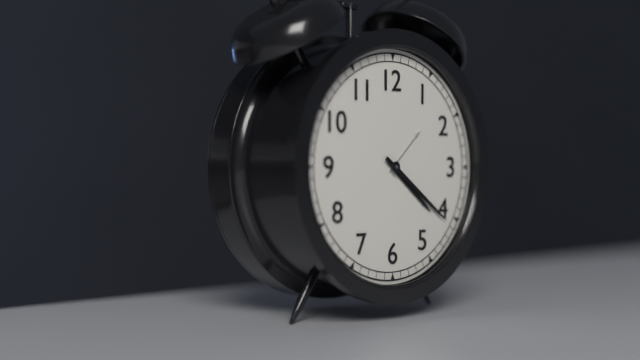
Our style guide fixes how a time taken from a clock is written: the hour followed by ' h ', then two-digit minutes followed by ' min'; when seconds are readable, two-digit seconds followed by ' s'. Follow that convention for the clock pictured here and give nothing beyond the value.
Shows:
4 h 21 min
